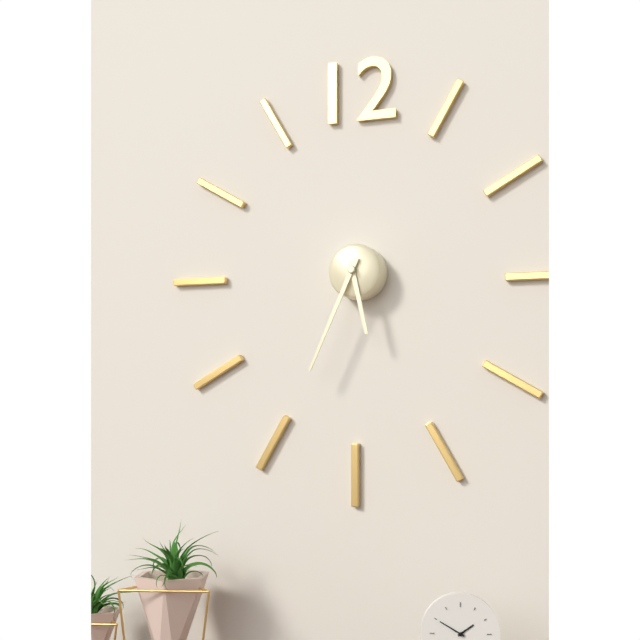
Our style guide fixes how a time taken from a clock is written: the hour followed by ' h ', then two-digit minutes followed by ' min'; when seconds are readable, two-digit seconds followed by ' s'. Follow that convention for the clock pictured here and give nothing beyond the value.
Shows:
5 h 34 min
